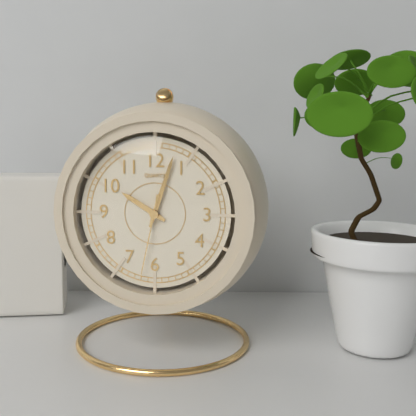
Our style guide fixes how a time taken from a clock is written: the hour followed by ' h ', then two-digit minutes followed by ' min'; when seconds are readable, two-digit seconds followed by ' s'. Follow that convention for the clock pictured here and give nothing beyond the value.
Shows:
10 h 03 min 32 s
